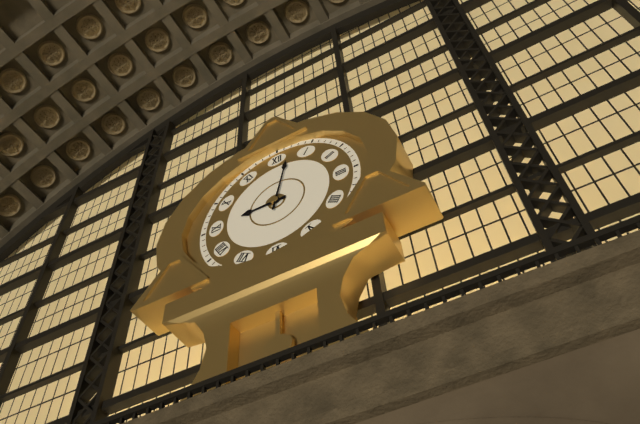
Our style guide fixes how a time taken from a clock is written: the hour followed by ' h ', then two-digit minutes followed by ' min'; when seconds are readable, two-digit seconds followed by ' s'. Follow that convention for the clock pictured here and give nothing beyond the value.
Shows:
9 h 02 min
